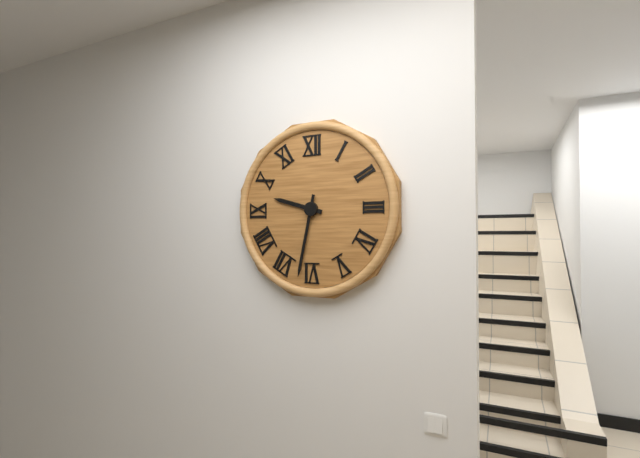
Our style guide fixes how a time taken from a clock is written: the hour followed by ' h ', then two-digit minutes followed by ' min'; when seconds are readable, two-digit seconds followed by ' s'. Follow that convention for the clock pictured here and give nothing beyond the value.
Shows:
9 h 32 min
